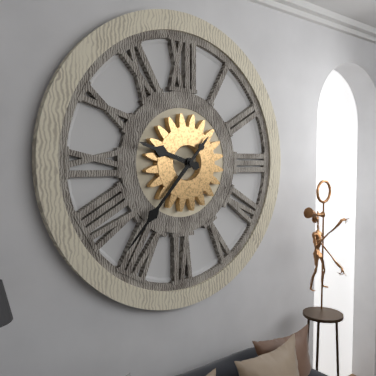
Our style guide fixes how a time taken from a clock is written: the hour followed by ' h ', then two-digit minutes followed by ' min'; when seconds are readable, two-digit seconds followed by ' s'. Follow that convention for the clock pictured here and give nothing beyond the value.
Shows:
9 h 37 min
